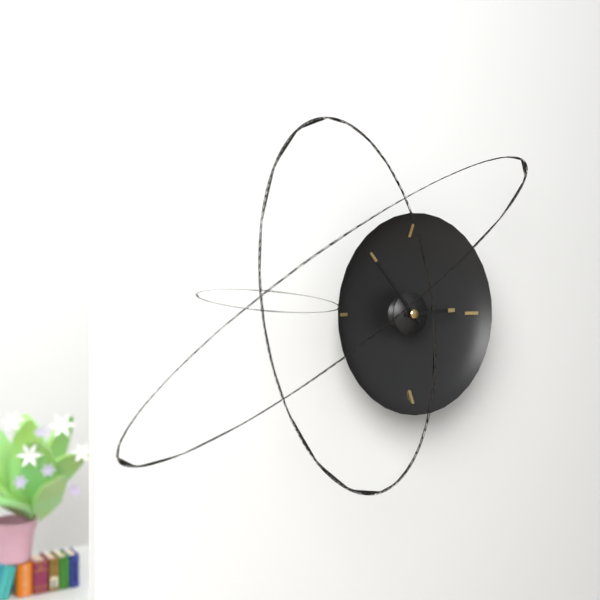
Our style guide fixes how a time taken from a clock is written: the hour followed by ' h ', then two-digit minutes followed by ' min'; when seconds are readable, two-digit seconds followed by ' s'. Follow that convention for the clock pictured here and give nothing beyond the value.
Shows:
2 h 53 min
